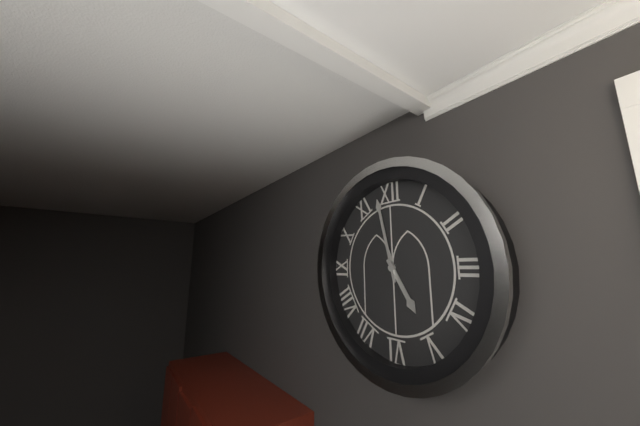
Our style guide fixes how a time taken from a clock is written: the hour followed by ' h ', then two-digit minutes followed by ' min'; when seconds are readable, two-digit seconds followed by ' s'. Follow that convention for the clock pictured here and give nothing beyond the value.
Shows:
4 h 58 min
